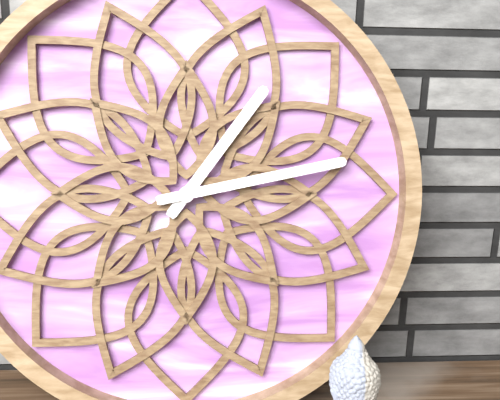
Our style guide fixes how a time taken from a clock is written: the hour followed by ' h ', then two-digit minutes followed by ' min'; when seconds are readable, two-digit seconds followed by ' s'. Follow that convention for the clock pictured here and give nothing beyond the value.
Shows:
1 h 13 min
